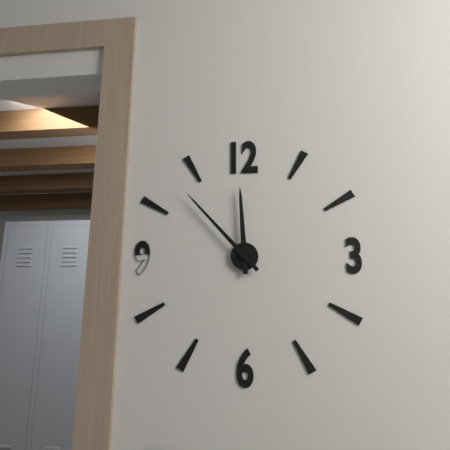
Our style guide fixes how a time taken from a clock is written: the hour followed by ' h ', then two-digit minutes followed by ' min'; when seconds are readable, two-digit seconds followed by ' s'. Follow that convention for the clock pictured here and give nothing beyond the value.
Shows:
11 h 53 min
